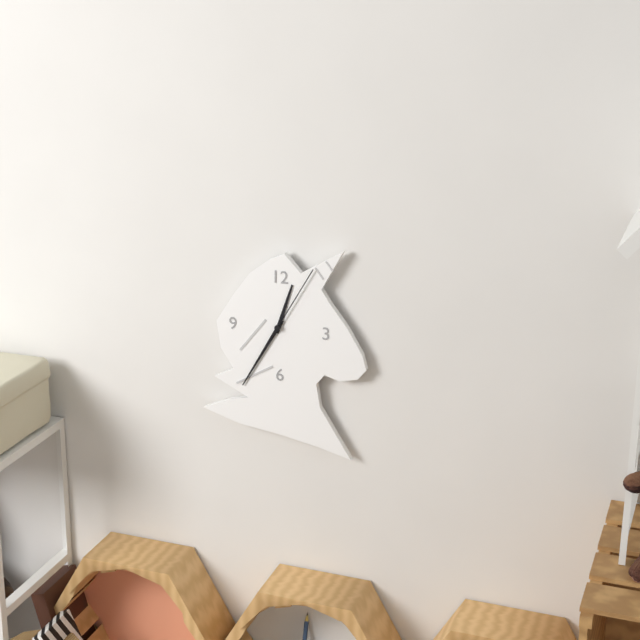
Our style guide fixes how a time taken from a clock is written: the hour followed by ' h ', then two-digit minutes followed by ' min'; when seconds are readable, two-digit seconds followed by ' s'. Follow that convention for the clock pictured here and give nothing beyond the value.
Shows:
12 h 35 min 05 s
